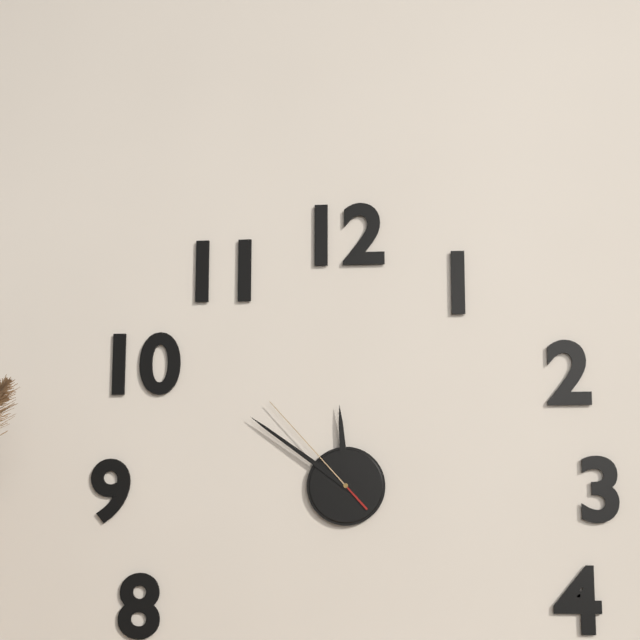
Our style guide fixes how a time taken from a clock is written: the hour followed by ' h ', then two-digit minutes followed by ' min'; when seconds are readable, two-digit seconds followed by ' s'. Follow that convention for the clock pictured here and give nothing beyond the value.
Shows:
11 h 51 min 53 s
